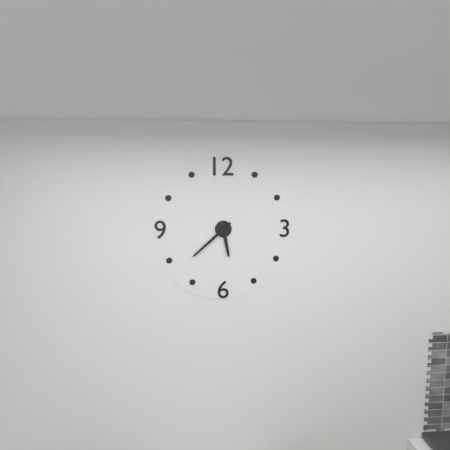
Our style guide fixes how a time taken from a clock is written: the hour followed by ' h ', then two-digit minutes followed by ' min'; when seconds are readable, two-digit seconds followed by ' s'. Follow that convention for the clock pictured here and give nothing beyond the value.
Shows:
5 h 38 min
